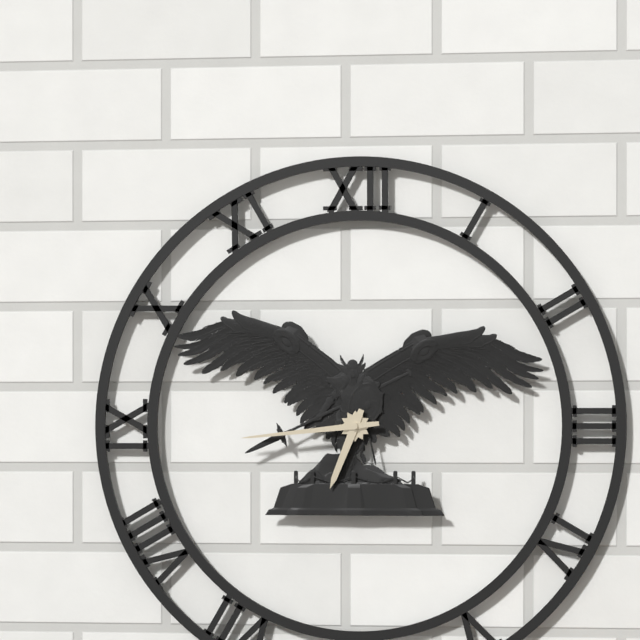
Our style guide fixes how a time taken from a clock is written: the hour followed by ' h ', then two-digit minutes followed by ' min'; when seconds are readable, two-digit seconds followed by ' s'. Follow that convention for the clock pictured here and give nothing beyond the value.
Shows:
6 h 44 min
